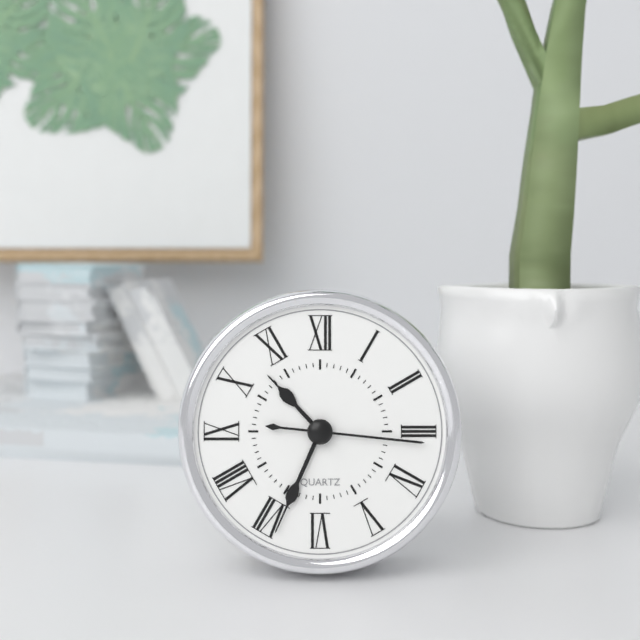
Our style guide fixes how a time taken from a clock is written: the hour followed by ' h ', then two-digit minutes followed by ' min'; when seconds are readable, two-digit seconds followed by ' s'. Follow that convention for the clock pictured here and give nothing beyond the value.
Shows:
10 h 34 min 16 s
